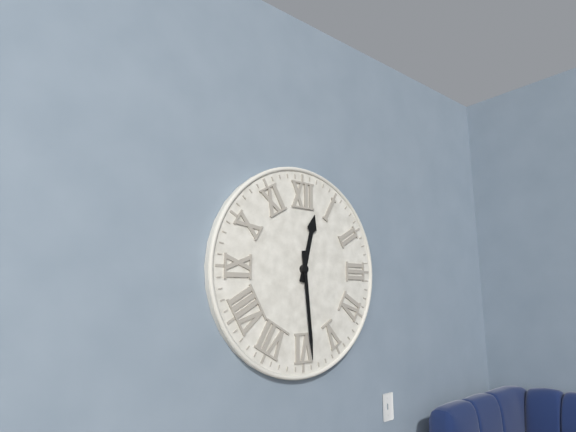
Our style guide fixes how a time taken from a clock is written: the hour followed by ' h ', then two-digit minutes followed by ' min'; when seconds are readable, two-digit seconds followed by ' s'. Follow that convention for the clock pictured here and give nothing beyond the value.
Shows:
12 h 29 min
